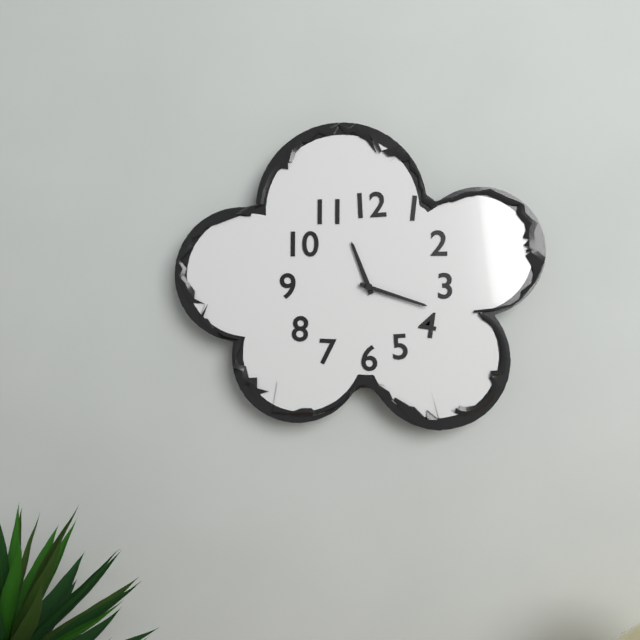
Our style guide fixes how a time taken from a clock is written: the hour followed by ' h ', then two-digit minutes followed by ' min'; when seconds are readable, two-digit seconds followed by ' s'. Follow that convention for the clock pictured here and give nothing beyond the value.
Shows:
11 h 18 min
